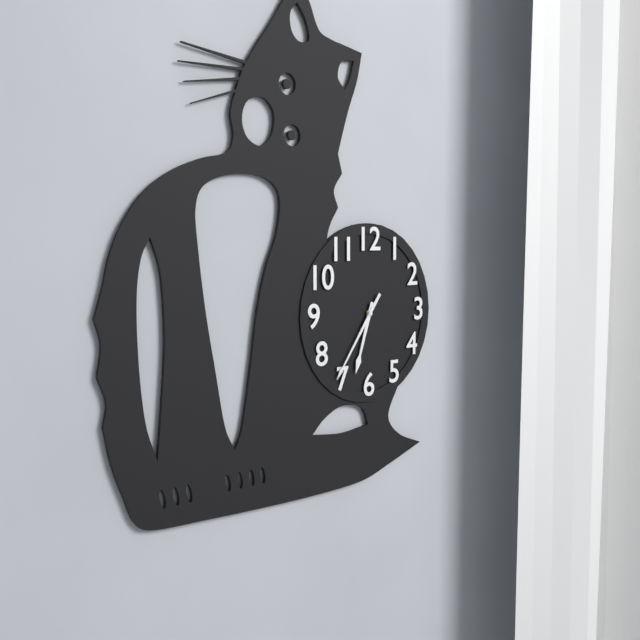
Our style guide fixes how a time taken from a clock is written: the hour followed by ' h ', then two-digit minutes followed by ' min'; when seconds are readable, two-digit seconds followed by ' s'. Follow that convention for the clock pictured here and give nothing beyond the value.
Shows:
6 h 36 min
